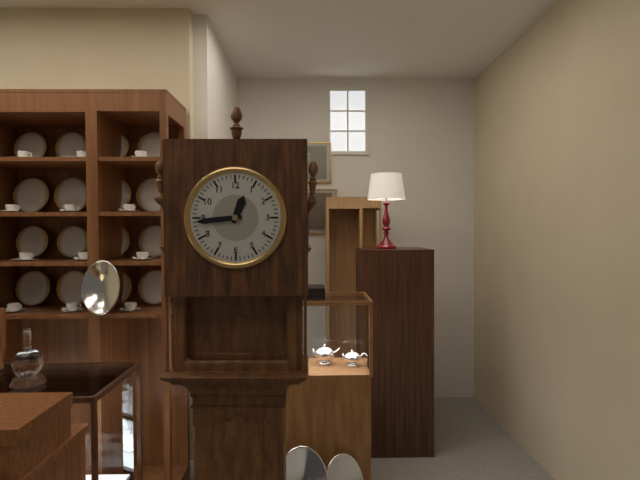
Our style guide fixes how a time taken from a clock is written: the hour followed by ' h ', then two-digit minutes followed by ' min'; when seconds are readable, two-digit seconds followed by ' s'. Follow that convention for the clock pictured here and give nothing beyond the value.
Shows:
12 h 44 min
